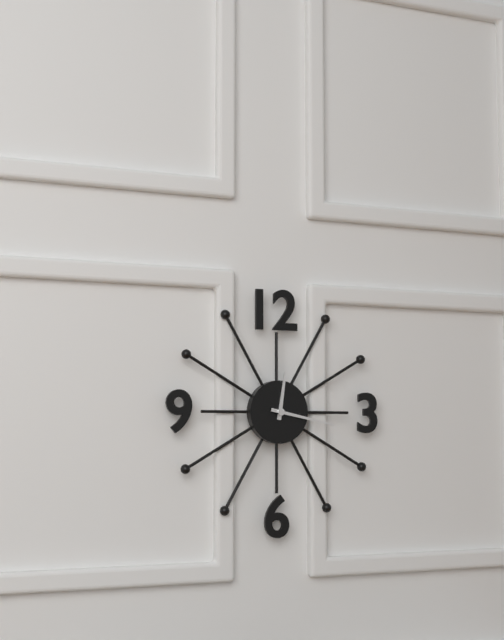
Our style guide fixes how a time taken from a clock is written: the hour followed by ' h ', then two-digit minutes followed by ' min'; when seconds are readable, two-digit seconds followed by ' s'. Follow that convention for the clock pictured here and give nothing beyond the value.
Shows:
12 h 17 min
